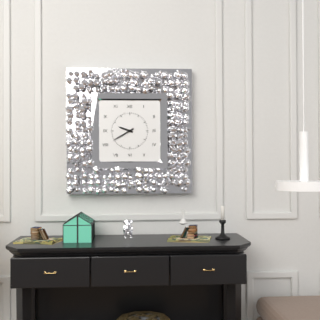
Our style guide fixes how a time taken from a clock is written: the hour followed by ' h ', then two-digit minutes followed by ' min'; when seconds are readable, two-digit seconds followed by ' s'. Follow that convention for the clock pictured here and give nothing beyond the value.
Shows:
9 h 40 min
